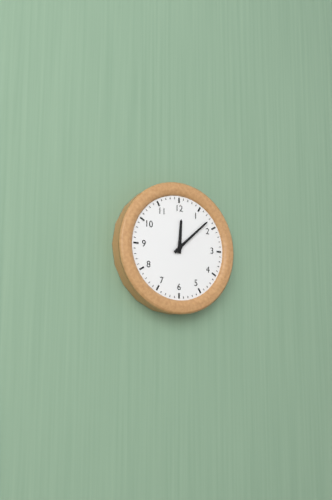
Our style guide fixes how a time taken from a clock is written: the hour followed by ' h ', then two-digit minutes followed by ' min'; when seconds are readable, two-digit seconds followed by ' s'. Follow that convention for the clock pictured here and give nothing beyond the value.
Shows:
12 h 08 min
